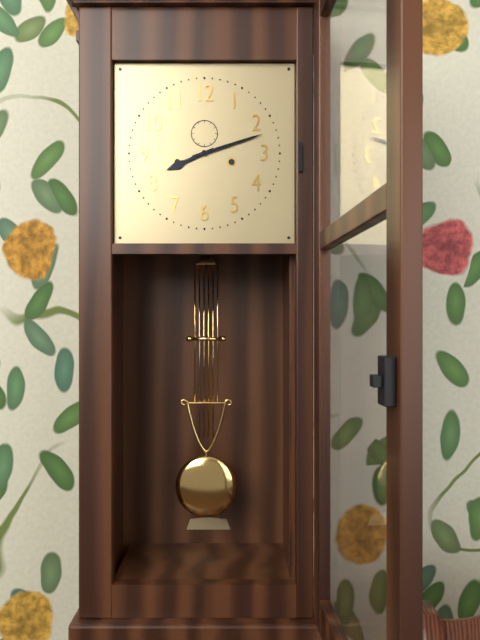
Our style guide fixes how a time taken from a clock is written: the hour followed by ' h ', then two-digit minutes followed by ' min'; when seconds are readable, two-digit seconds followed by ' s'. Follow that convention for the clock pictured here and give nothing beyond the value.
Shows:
8 h 12 min
